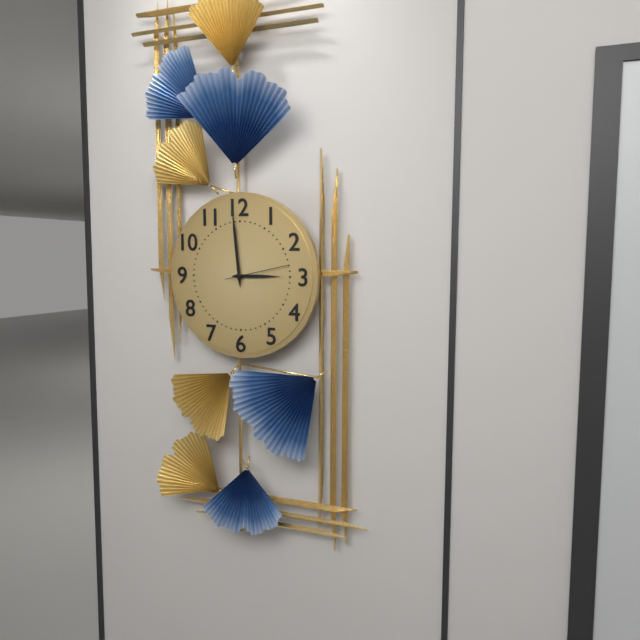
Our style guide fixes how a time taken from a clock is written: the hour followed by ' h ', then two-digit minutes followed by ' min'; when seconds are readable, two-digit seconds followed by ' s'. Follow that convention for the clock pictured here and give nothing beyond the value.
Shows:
2 h 59 min 13 s
